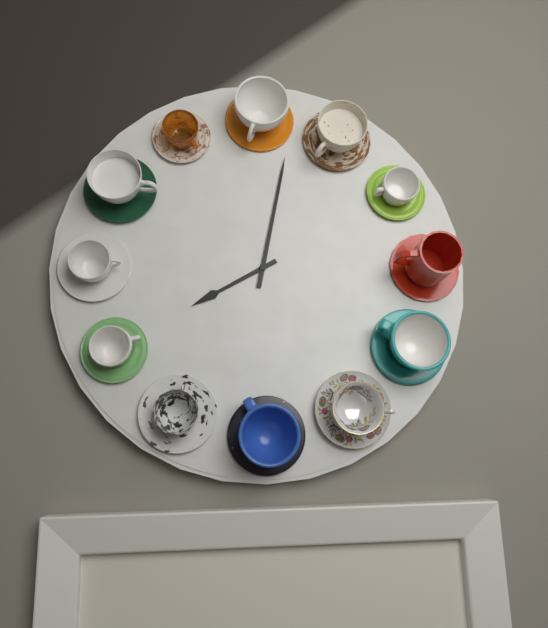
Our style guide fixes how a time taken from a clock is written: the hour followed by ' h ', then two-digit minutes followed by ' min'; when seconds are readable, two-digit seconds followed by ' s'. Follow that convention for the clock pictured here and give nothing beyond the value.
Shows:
8 h 02 min
